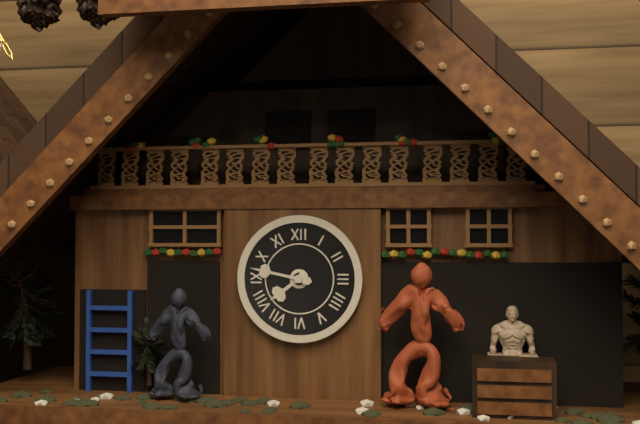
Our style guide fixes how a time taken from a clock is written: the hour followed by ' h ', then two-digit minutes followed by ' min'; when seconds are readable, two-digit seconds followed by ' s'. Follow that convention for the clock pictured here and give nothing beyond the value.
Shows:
7 h 47 min
